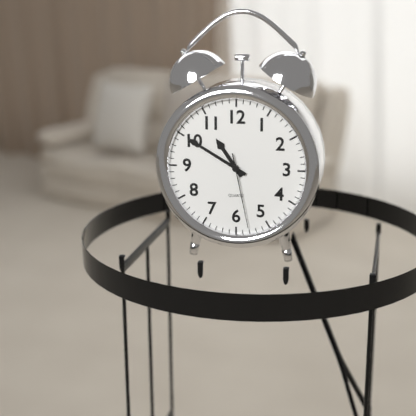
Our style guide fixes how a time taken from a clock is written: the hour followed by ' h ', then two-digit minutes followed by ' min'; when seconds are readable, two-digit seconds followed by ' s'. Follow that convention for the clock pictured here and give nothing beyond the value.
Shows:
10 h 50 min 28 s
